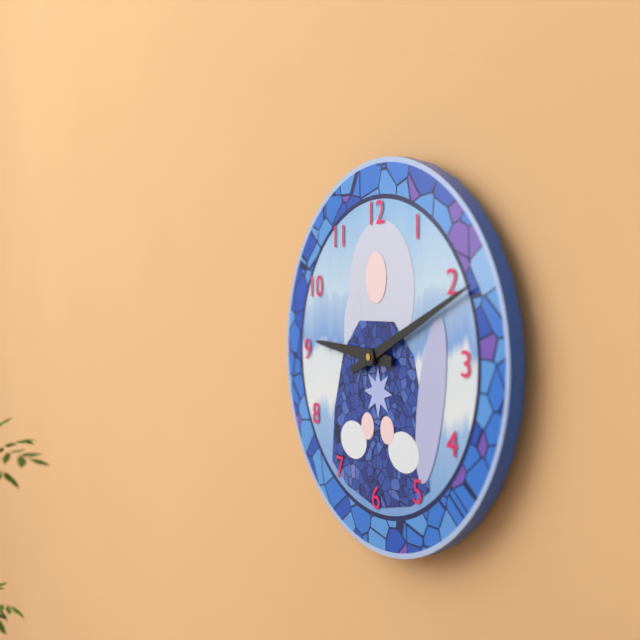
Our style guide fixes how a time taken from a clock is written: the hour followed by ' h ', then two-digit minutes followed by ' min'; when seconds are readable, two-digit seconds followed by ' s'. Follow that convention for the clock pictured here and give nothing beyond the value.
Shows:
9 h 11 min
